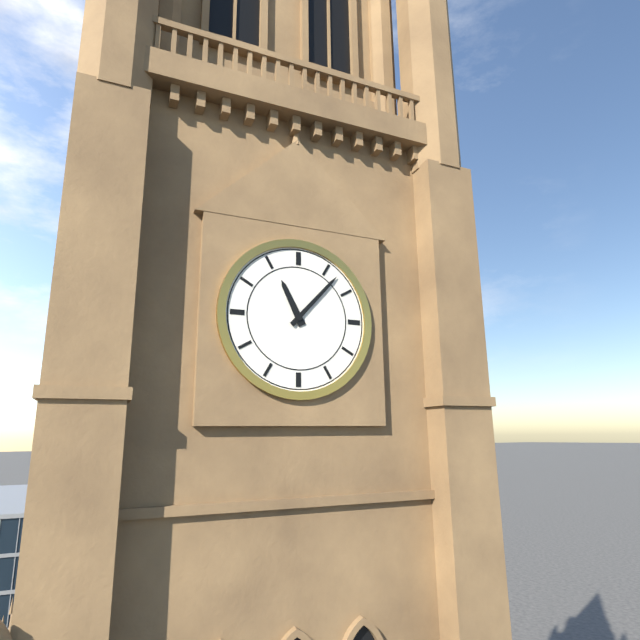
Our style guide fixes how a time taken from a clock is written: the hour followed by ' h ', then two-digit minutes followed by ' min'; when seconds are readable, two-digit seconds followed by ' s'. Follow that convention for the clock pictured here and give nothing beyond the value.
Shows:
11 h 07 min
